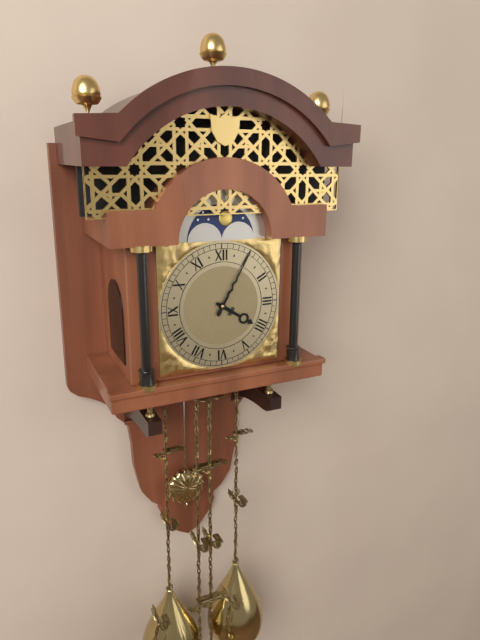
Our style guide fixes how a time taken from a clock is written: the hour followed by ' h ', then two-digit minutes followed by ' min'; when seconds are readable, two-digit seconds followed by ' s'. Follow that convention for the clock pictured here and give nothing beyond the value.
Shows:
4 h 05 min
